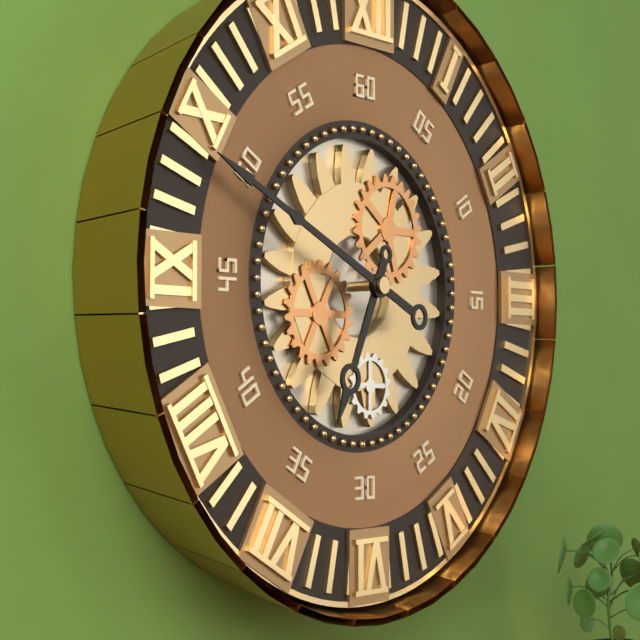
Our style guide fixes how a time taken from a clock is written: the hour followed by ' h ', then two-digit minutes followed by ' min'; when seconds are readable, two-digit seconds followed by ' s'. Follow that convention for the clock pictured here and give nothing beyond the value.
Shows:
6 h 49 min
